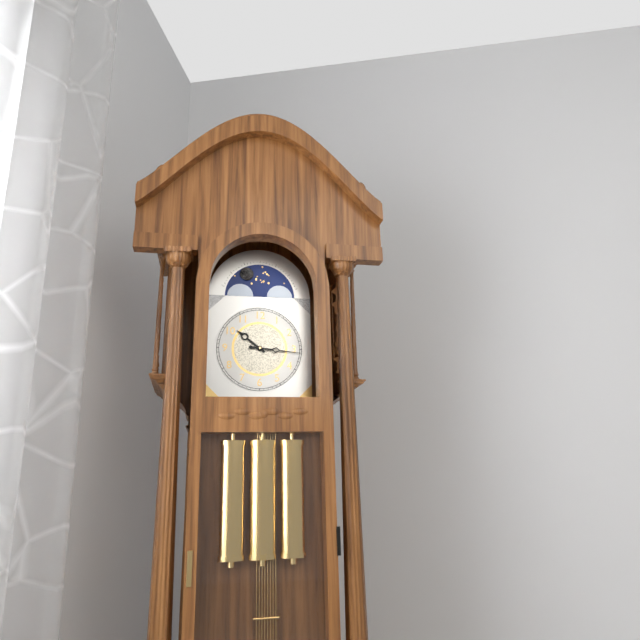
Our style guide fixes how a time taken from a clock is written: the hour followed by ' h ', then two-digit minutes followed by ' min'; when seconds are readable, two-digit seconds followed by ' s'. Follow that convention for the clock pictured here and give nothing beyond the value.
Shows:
10 h 16 min
